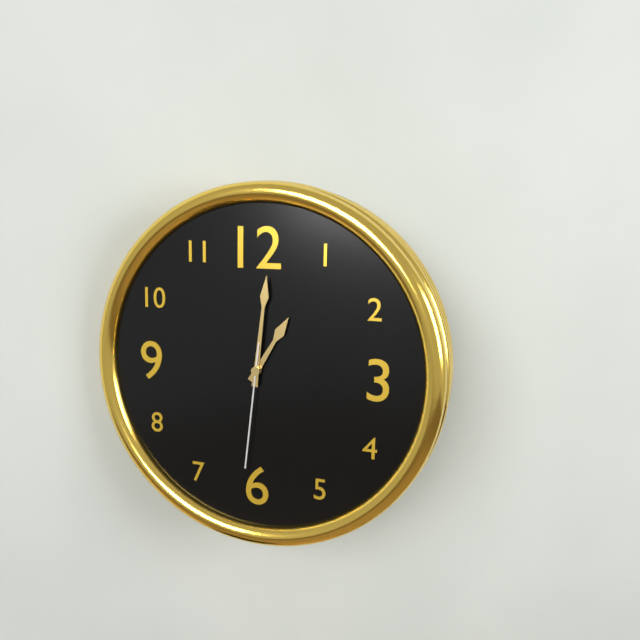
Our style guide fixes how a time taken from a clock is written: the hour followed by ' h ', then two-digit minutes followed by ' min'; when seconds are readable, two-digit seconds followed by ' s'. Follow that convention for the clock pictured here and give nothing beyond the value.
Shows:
1 h 01 min 31 s
